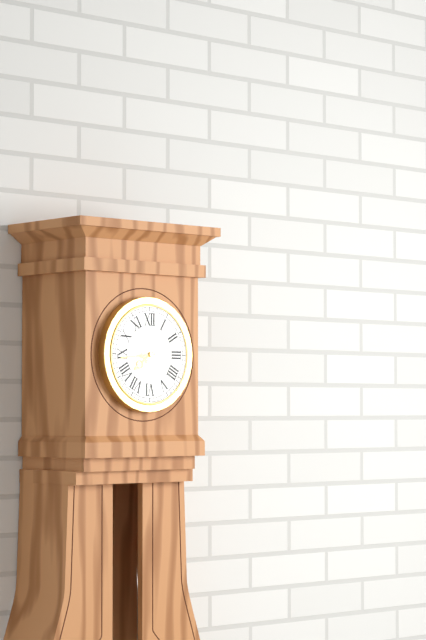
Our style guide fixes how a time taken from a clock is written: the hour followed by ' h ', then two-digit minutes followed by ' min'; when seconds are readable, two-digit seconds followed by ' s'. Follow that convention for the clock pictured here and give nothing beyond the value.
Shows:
7 h 44 min
